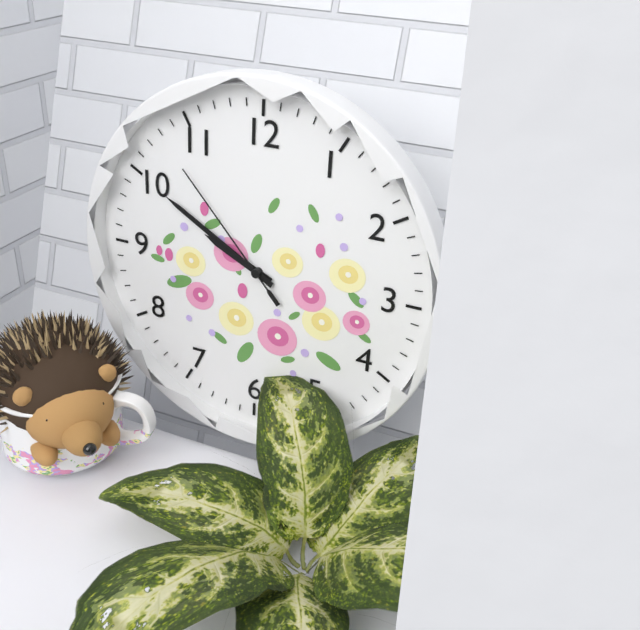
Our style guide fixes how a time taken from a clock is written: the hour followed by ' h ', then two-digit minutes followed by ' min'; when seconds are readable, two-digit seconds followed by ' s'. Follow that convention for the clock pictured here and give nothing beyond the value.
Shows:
9 h 50 min 53 s
